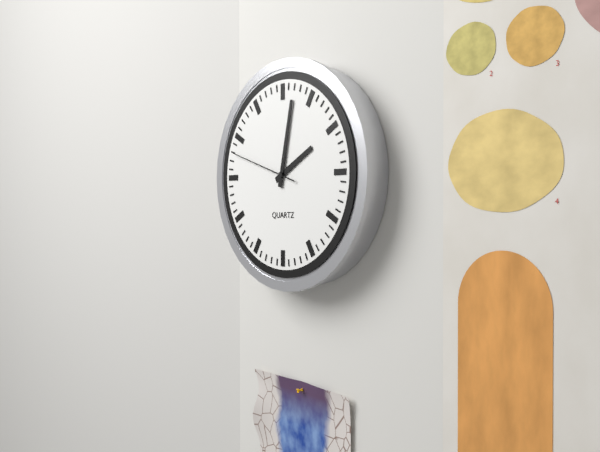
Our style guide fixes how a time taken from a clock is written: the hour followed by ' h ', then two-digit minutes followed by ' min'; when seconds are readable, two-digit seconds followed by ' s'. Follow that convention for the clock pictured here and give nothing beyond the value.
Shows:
2 h 02 min 48 s
